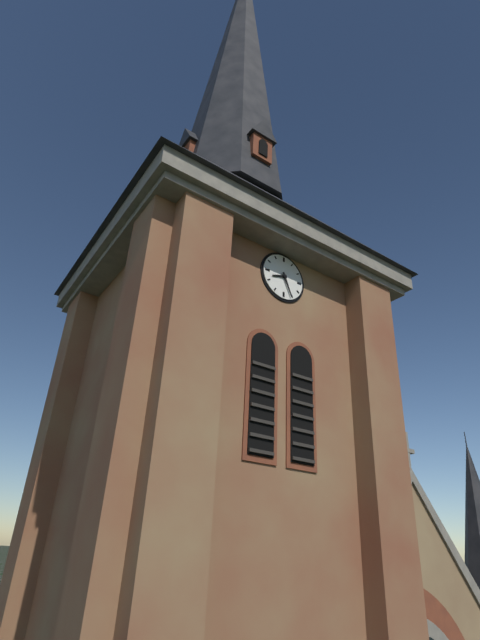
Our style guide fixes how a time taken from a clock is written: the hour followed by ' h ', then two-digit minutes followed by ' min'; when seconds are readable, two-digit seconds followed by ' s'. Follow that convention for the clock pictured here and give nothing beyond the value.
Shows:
8 h 26 min
